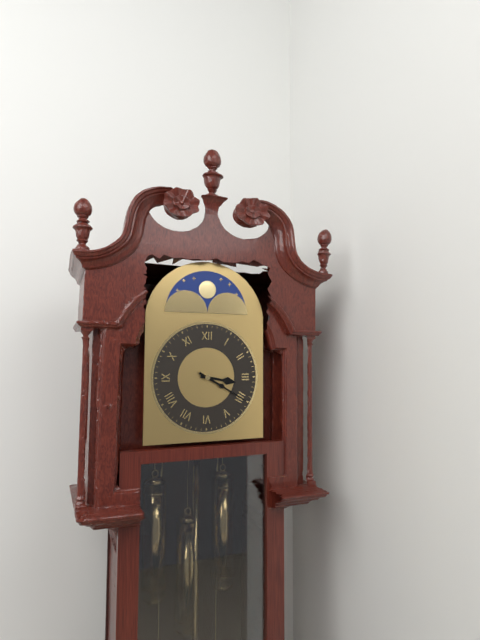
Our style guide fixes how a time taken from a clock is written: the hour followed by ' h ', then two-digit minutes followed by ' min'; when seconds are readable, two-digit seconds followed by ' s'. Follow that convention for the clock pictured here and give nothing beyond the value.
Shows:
3 h 20 min
